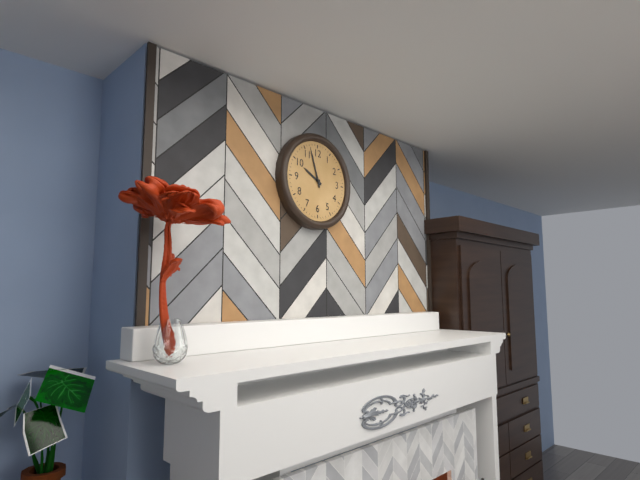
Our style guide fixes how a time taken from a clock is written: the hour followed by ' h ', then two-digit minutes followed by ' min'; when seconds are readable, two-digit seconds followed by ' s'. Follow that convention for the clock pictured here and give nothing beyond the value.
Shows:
9 h 57 min
